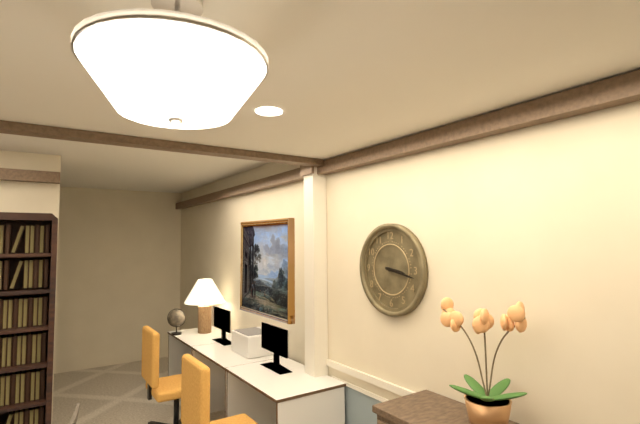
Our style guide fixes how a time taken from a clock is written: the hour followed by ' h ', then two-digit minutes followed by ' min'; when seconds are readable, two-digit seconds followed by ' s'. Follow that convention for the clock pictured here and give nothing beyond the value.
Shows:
3 h 17 min
